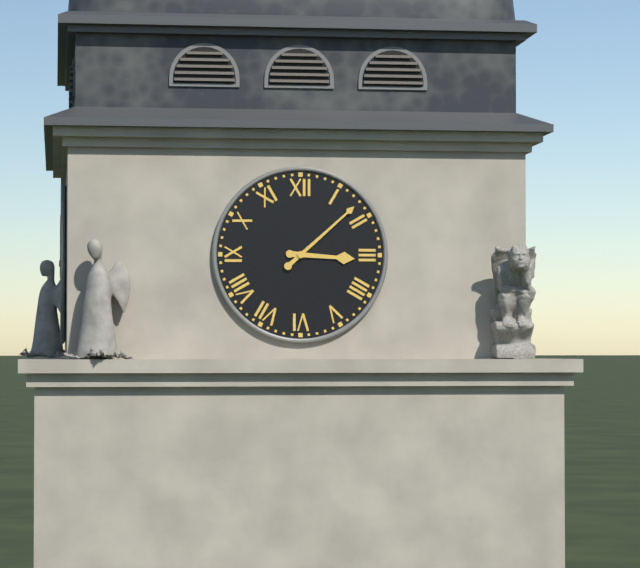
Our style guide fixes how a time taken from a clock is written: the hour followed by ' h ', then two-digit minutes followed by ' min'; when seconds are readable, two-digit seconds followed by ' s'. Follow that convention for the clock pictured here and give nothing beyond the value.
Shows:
3 h 08 min
